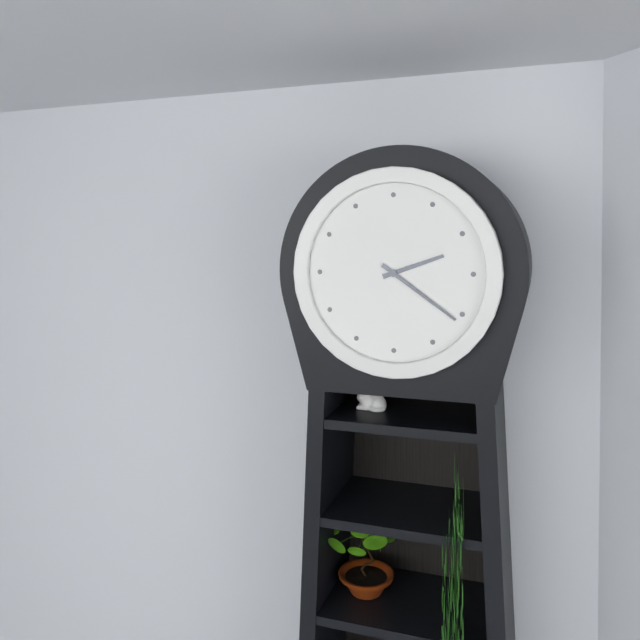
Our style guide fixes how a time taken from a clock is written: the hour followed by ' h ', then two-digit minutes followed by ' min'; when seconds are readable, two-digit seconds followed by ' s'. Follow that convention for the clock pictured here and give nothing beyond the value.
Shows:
2 h 21 min
